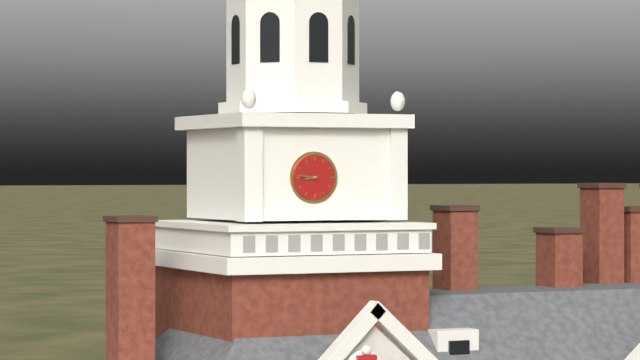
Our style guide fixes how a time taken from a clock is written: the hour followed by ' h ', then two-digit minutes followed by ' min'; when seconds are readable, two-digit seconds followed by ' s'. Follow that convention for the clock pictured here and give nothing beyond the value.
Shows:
8 h 46 min
